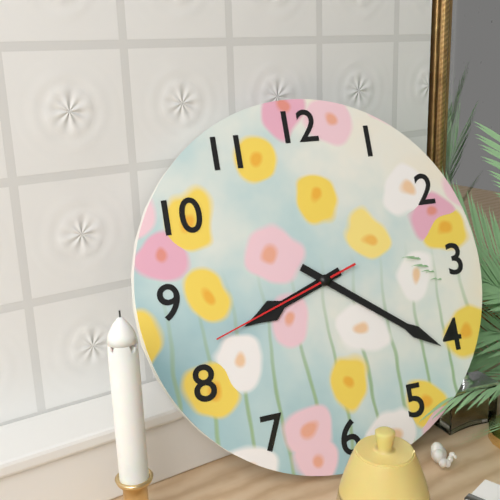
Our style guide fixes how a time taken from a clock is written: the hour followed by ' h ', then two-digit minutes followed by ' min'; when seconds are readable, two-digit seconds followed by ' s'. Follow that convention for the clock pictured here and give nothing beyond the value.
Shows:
8 h 21 min 42 s
